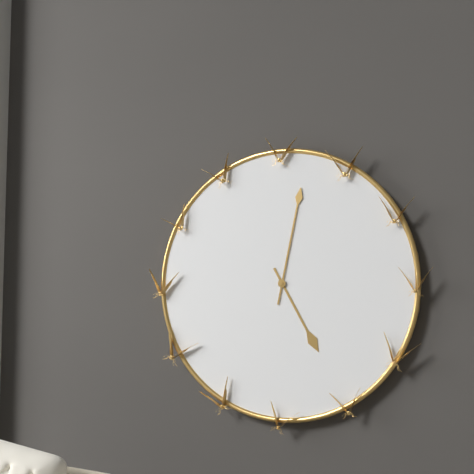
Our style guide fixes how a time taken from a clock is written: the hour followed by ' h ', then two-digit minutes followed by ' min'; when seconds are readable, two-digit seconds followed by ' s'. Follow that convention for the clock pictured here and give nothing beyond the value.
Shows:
5 h 02 min
